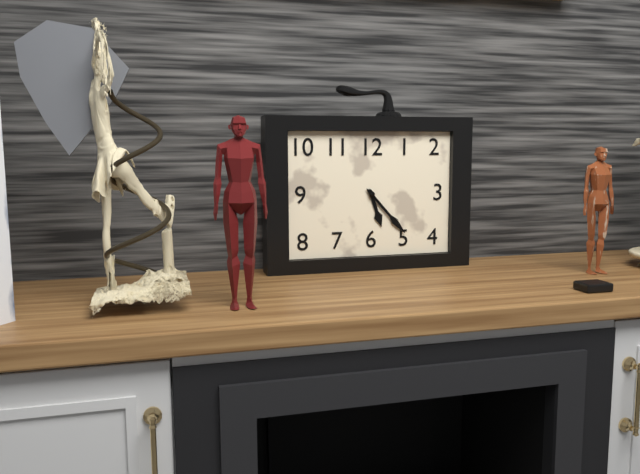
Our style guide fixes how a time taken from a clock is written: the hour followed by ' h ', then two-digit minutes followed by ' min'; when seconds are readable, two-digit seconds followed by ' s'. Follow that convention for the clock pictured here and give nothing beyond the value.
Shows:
5 h 23 min
